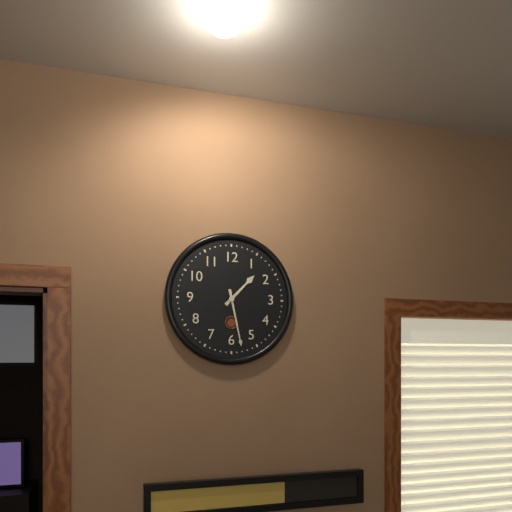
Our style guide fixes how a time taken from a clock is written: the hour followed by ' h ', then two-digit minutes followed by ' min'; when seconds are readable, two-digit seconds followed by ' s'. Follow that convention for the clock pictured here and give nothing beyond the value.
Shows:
1 h 28 min
